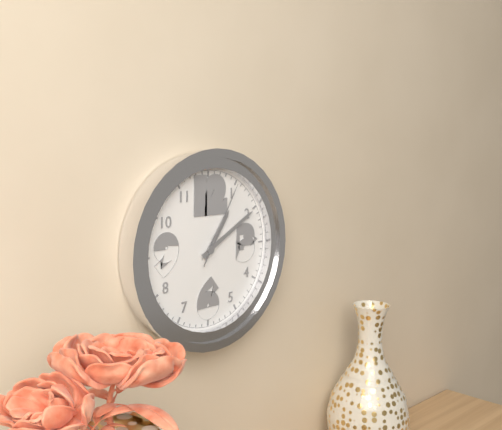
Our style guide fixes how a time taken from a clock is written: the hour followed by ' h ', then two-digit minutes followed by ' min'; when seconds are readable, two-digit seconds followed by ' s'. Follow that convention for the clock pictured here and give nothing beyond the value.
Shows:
1 h 10 min 05 s
